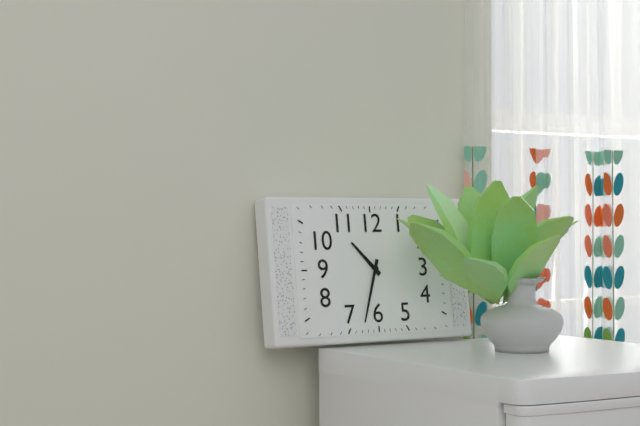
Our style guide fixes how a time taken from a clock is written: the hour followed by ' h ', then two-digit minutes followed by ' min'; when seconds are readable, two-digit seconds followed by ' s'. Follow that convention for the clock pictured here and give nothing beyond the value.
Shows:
10 h 33 min
